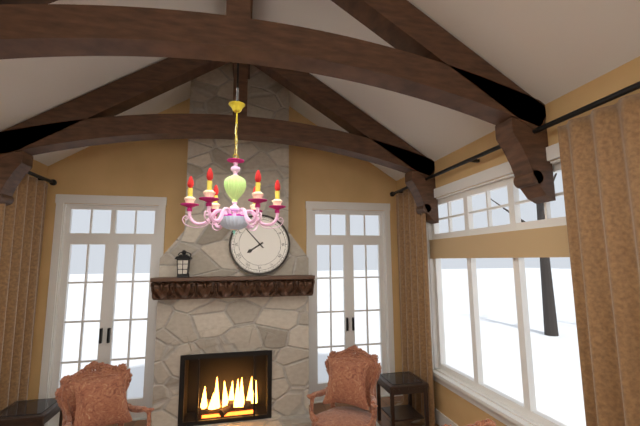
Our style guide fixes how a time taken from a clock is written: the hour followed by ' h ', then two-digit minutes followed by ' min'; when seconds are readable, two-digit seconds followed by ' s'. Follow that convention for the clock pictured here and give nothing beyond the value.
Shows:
7 h 53 min
